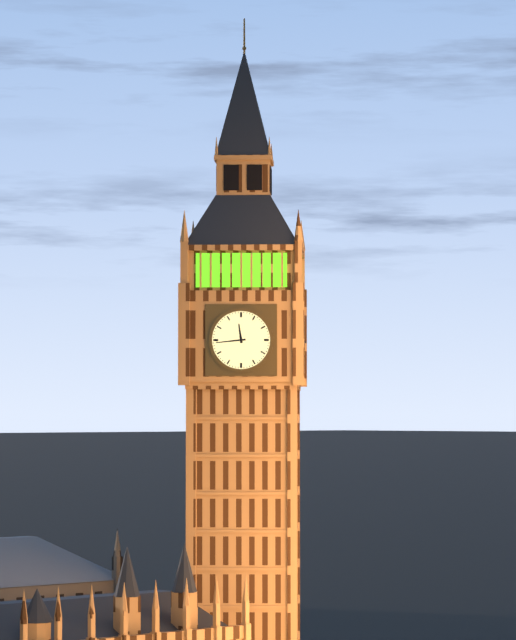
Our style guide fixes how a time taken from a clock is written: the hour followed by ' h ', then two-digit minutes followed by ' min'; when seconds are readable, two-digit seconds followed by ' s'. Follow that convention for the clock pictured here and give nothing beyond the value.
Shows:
11 h 44 min
